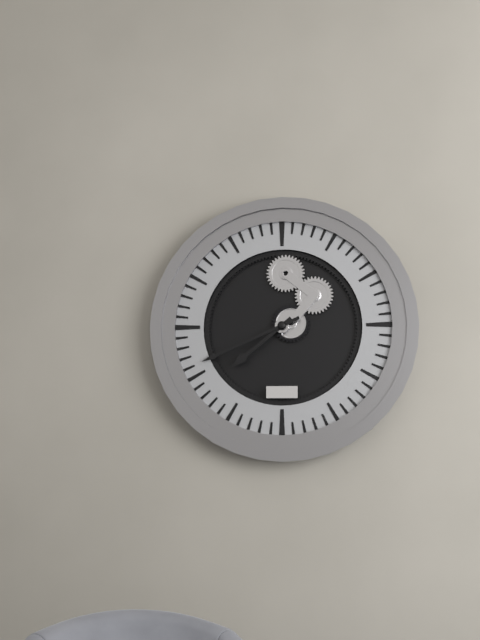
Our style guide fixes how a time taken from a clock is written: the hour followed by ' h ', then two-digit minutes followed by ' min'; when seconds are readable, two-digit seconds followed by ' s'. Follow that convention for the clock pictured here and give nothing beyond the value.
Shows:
7 h 41 min
